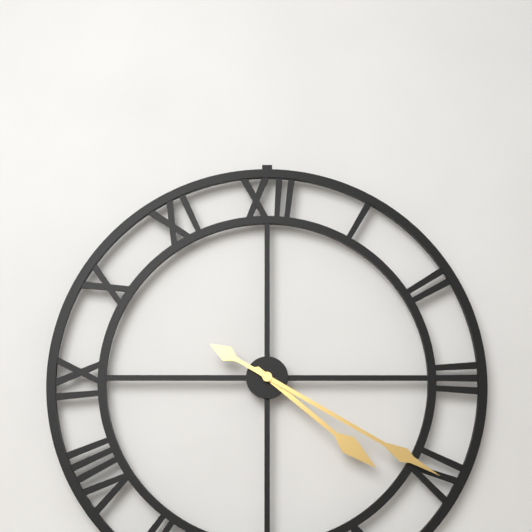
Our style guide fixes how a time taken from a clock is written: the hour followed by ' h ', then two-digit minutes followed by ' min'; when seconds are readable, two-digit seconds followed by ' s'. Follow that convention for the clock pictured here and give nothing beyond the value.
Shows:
4 h 20 min
